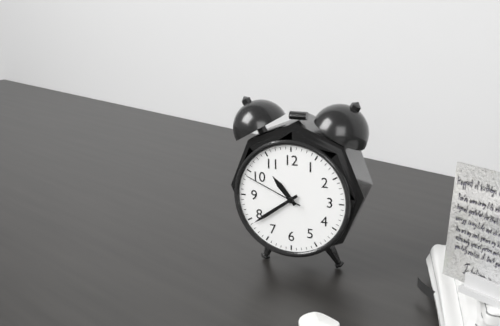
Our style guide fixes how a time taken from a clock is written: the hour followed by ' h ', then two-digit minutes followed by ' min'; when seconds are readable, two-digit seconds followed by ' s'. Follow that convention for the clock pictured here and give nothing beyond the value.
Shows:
10 h 39 min 49 s
